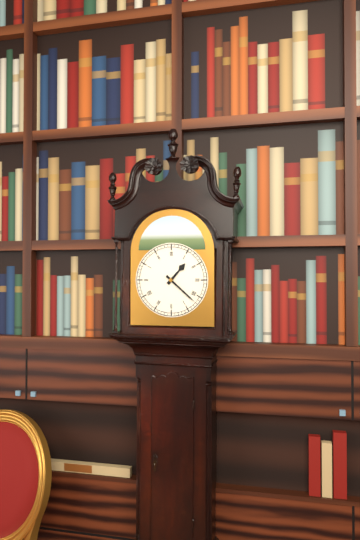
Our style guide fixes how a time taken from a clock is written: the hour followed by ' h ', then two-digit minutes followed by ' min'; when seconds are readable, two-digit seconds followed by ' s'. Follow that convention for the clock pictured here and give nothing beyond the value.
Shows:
1 h 22 min
